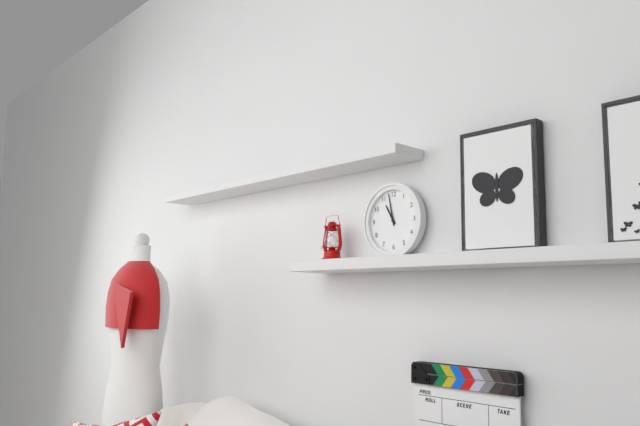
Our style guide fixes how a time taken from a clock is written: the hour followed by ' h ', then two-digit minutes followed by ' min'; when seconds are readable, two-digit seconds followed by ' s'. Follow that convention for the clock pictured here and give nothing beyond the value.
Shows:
10 h 58 min
